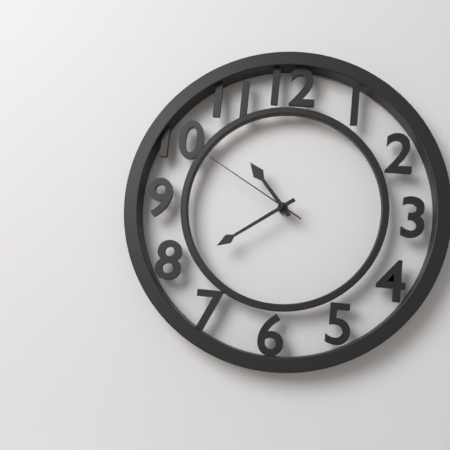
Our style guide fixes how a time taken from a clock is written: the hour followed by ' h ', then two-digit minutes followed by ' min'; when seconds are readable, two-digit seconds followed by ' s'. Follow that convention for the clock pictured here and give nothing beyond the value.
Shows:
10 h 39 min 50 s
